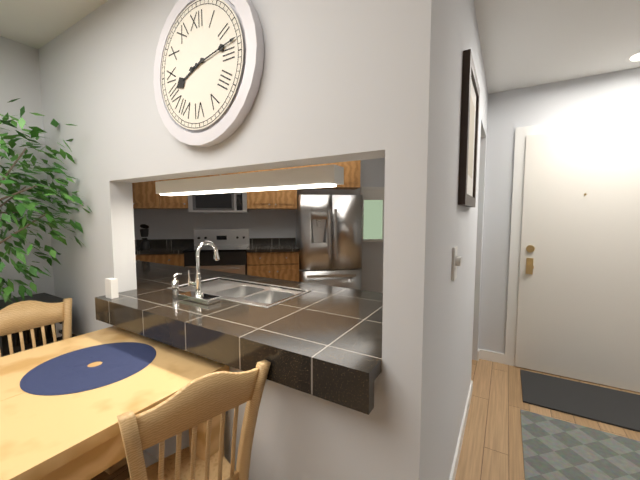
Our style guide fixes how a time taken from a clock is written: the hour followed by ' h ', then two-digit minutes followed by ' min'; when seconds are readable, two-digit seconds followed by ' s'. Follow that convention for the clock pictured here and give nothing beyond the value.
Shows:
8 h 13 min
